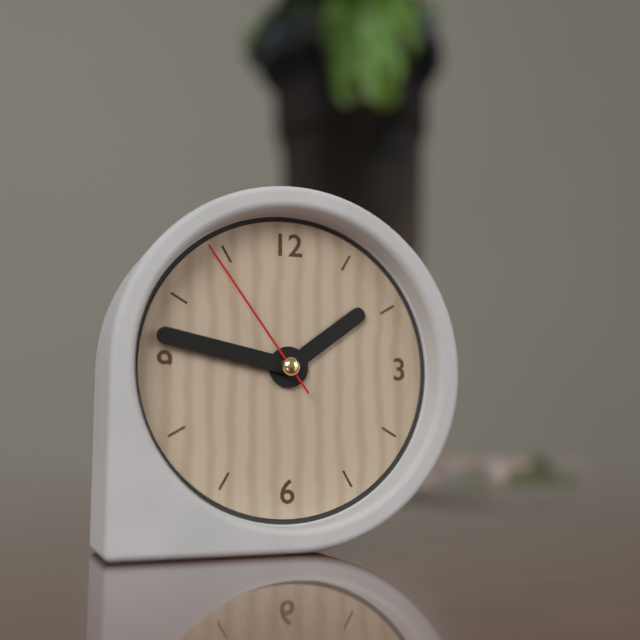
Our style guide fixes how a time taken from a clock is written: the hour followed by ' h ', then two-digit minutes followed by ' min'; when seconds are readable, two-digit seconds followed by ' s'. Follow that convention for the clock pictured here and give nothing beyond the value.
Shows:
1 h 47 min 54 s
